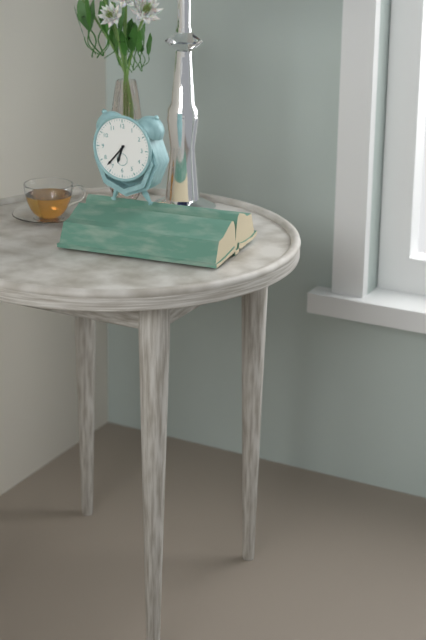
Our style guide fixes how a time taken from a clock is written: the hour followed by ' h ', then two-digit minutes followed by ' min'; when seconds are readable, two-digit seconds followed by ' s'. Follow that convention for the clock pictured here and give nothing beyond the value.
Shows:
6 h 37 min
